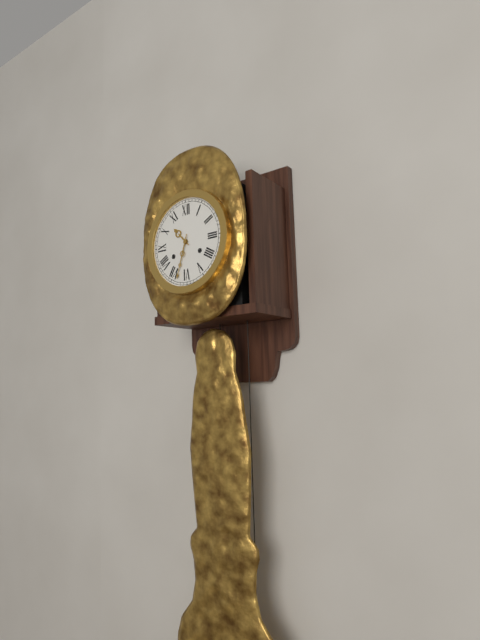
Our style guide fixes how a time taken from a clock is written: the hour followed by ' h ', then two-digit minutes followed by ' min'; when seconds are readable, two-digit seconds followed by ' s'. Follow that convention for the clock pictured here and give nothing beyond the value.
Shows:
10 h 33 min
